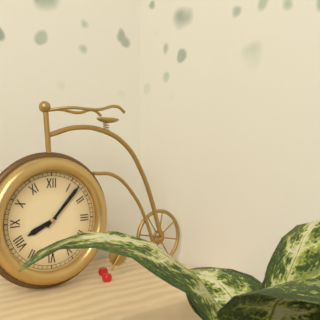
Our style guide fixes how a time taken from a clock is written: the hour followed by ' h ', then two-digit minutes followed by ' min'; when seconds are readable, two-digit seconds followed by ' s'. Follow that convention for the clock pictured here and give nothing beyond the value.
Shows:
8 h 07 min
